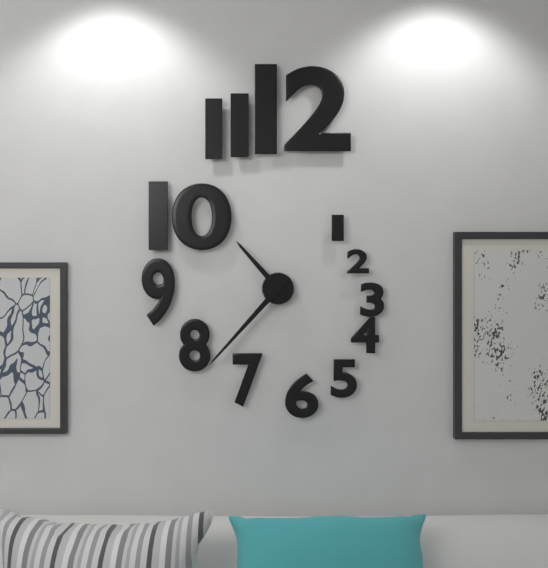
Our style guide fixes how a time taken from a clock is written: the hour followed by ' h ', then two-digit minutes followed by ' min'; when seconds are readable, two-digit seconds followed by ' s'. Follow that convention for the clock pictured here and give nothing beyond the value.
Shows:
10 h 37 min
